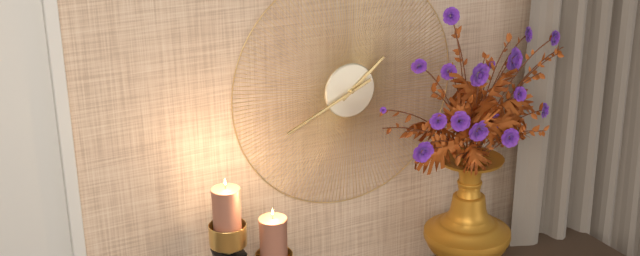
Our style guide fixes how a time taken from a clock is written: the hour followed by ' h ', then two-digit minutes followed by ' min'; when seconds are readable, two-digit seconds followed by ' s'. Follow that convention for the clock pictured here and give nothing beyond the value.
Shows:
1 h 41 min
